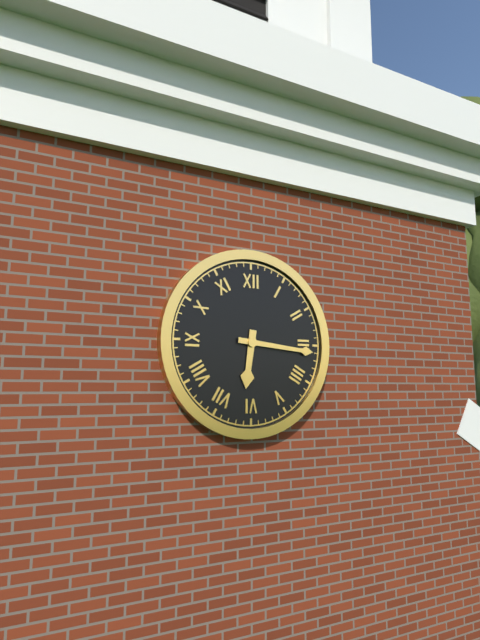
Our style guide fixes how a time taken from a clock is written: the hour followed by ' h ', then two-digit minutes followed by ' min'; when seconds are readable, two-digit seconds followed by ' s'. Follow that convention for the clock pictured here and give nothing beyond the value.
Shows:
6 h 16 min
